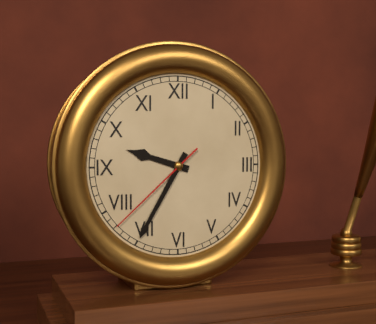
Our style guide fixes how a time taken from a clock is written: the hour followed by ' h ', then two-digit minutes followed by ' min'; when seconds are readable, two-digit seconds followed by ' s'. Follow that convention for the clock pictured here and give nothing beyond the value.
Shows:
9 h 35 min 38 s
